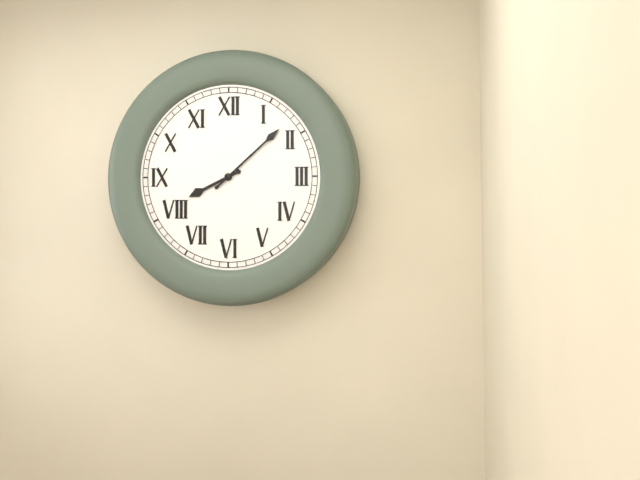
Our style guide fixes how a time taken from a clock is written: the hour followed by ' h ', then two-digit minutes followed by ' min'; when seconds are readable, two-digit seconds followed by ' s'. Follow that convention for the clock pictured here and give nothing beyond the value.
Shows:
8 h 08 min
